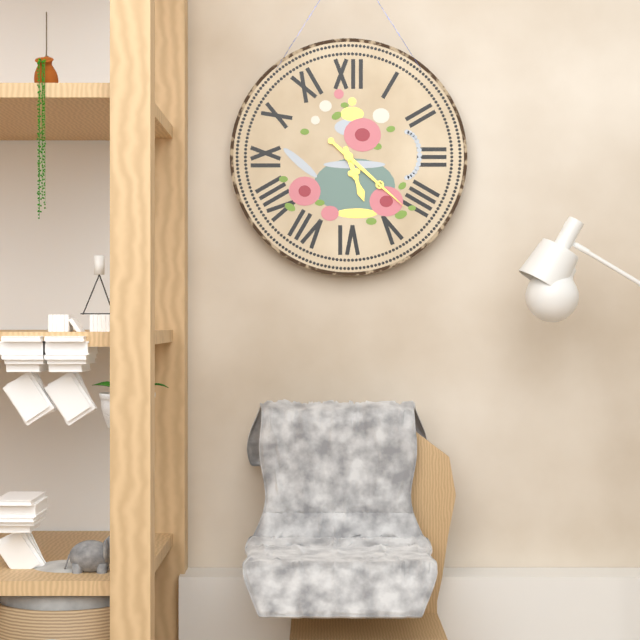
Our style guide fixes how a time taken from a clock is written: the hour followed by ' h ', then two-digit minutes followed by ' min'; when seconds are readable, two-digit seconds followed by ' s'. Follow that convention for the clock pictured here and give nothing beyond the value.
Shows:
5 h 22 min
